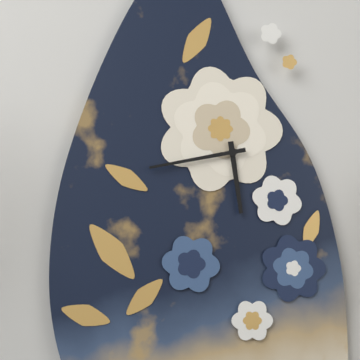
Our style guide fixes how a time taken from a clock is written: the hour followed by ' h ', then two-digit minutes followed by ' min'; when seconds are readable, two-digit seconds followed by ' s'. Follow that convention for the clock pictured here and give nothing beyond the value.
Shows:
5 h 43 min
